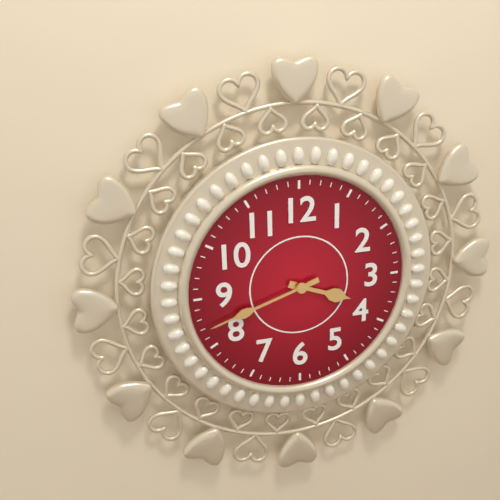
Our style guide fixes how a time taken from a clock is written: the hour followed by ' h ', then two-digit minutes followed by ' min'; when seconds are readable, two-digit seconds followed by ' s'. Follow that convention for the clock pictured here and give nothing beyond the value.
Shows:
3 h 42 min
